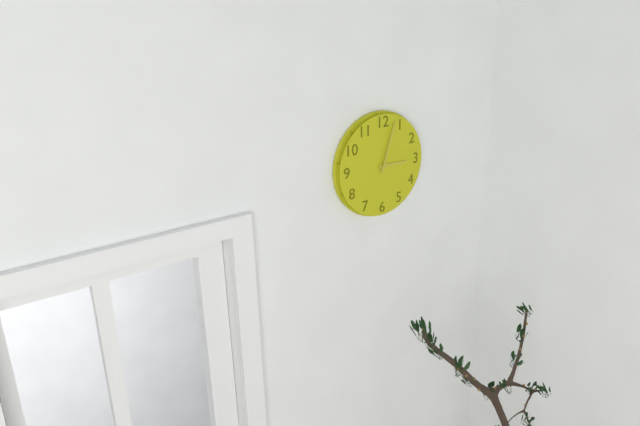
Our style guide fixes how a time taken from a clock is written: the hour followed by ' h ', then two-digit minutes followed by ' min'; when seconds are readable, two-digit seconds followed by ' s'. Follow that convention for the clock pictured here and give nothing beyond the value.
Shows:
3 h 03 min
